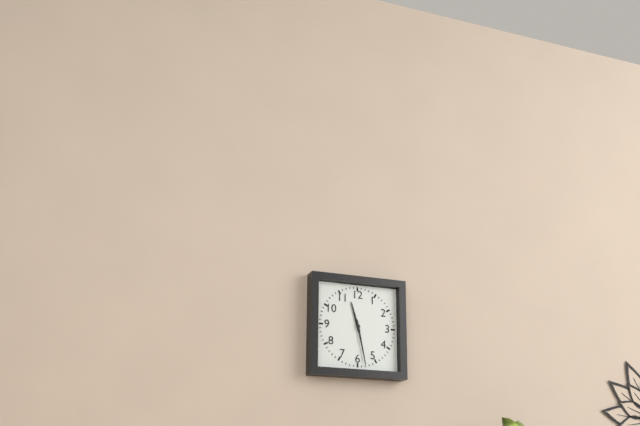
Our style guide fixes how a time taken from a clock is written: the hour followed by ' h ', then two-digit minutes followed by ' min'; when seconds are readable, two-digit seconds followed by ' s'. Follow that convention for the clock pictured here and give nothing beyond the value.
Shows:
11 h 28 min
